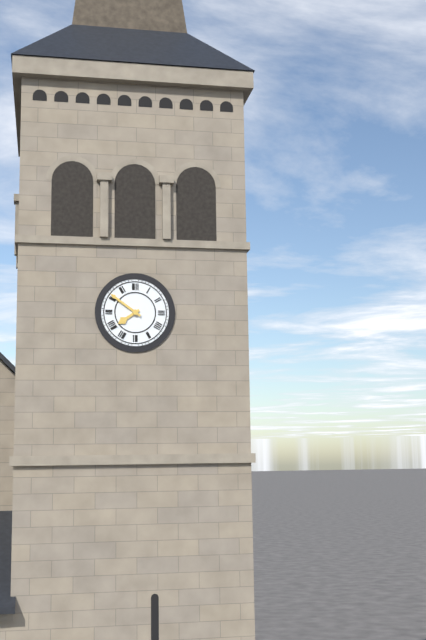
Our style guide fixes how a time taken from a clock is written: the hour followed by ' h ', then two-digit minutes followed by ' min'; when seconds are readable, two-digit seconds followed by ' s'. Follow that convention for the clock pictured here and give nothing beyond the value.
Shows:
7 h 51 min
